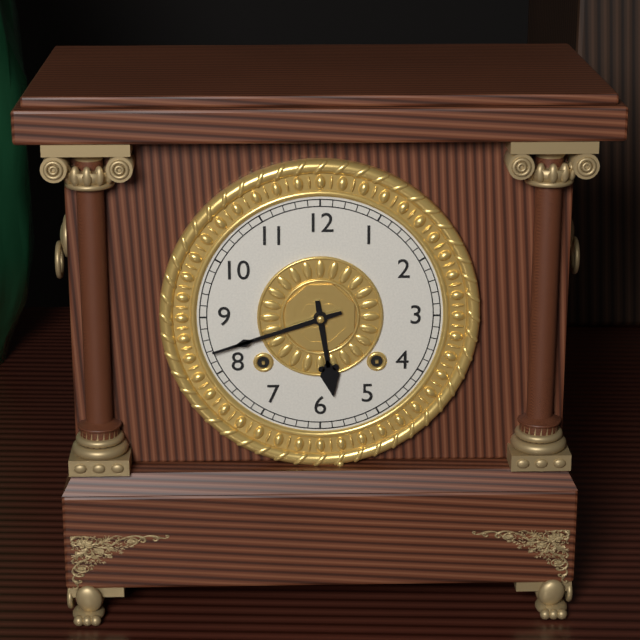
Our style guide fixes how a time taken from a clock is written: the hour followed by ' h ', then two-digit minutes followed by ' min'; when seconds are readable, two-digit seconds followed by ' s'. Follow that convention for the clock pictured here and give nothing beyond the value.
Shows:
5 h 42 min
